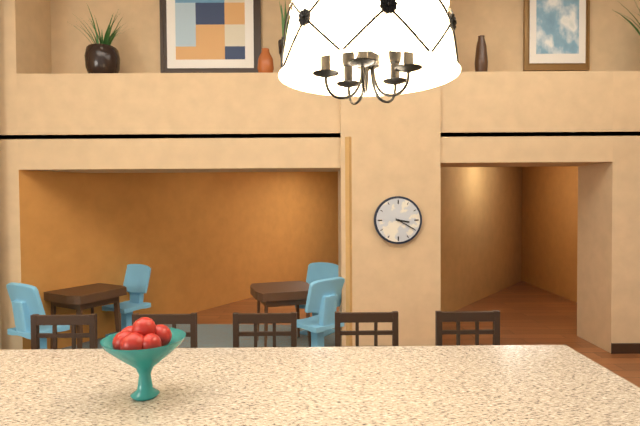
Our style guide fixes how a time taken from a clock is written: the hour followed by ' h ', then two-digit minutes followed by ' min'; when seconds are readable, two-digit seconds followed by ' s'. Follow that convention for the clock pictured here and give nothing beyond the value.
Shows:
3 h 20 min
